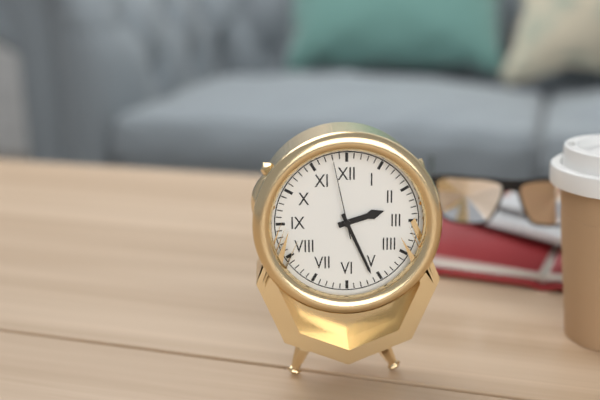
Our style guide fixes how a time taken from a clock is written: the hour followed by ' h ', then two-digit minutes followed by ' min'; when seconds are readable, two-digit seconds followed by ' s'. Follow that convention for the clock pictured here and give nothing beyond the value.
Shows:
2 h 26 min 58 s
